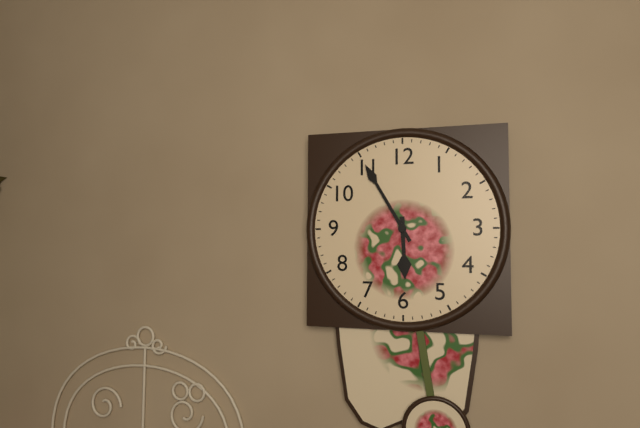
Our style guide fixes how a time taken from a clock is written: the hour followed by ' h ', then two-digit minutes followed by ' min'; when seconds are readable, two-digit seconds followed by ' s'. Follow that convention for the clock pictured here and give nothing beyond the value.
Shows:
5 h 55 min
